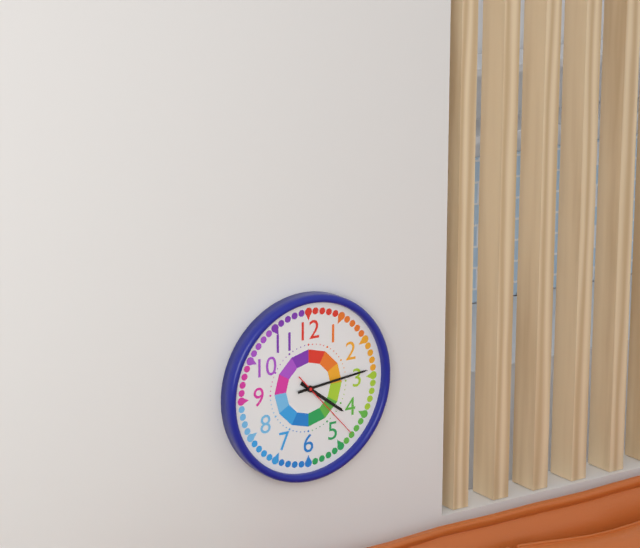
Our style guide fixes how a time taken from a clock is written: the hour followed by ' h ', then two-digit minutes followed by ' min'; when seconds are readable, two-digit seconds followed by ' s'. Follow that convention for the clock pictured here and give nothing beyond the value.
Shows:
4 h 14 min 23 s
